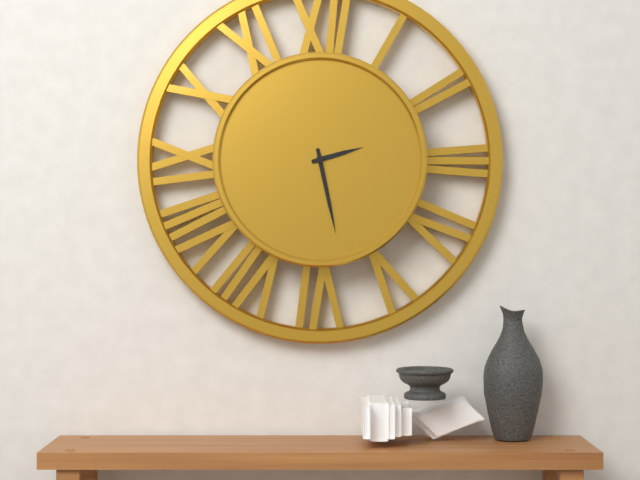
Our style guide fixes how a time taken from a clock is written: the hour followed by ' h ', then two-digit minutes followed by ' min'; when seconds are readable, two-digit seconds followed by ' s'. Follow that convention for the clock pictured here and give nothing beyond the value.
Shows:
2 h 28 min
